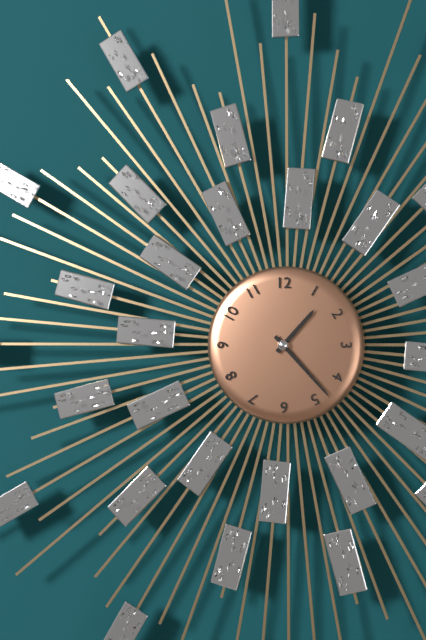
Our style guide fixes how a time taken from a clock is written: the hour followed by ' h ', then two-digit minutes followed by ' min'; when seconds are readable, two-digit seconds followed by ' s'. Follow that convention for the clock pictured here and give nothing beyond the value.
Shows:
1 h 23 min
